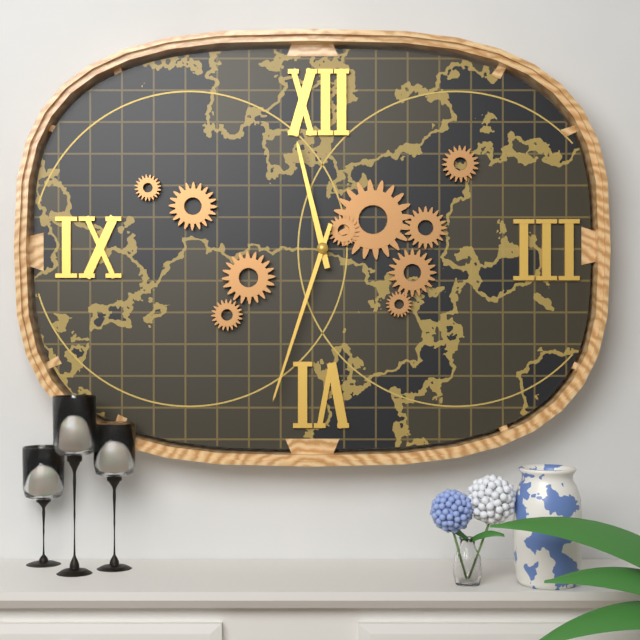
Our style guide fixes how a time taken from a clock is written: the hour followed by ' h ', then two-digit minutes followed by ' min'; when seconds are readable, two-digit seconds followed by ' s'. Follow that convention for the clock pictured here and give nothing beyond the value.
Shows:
11 h 33 min
